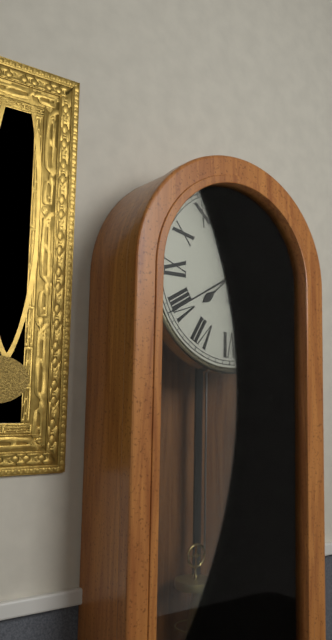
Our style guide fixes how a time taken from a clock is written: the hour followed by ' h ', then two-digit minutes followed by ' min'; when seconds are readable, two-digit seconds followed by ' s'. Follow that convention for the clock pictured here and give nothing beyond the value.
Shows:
7 h 40 min
